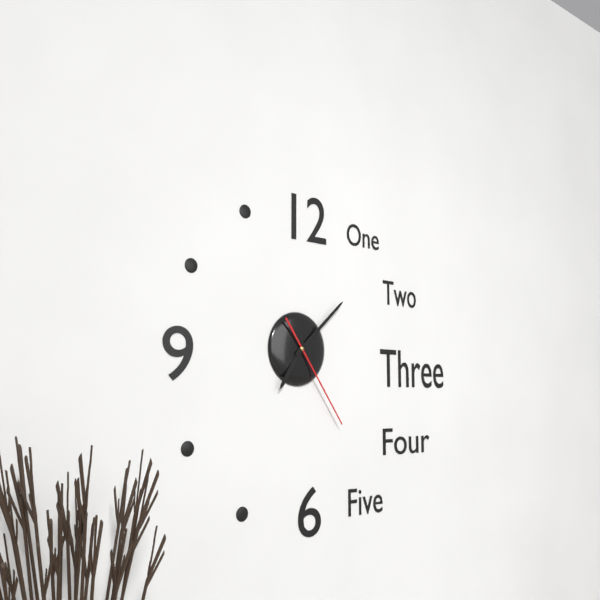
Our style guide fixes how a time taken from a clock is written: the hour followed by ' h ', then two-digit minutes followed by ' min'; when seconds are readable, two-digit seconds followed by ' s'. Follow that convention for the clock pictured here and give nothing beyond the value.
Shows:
7 h 08 min 24 s
